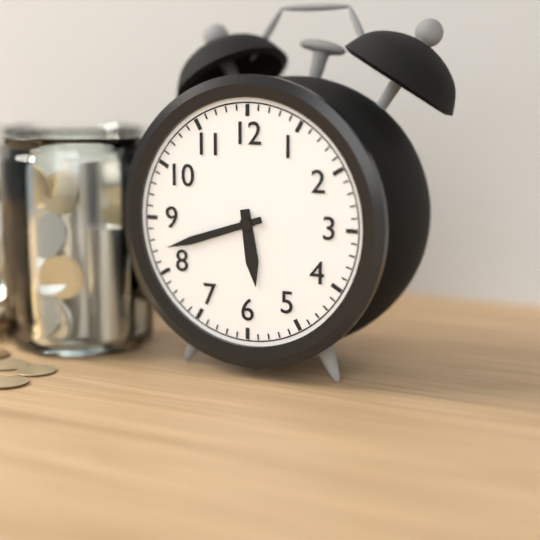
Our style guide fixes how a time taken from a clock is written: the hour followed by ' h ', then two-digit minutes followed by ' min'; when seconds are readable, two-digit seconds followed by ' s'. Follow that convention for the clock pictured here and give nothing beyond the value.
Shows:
5 h 42 min
